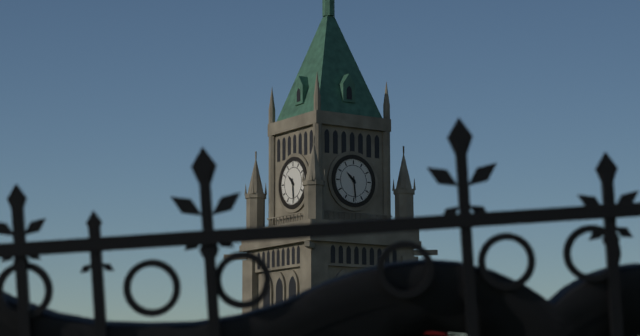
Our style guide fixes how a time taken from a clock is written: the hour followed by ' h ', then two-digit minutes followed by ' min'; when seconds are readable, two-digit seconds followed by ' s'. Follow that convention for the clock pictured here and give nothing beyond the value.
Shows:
10 h 29 min
